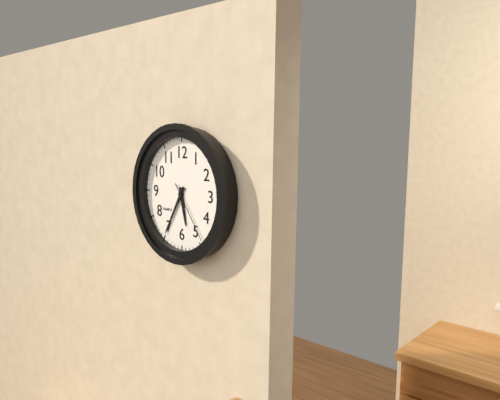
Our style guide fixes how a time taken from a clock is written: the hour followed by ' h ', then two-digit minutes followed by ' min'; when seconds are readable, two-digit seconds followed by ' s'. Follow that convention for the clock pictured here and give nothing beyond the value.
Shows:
5 h 35 min 24 s
